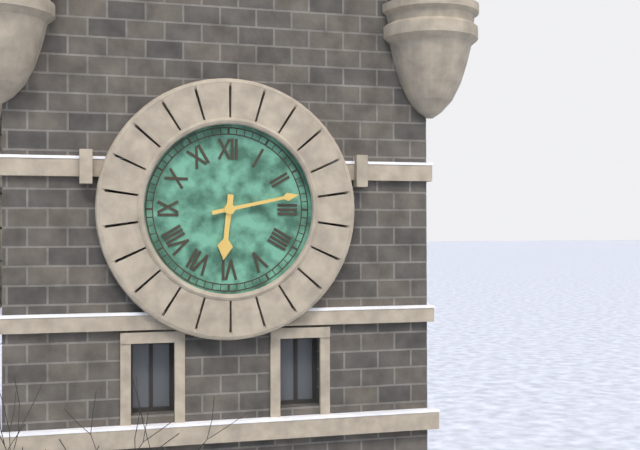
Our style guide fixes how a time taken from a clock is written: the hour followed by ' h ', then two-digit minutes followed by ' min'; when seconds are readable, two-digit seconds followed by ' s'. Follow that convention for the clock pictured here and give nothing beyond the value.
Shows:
6 h 13 min
